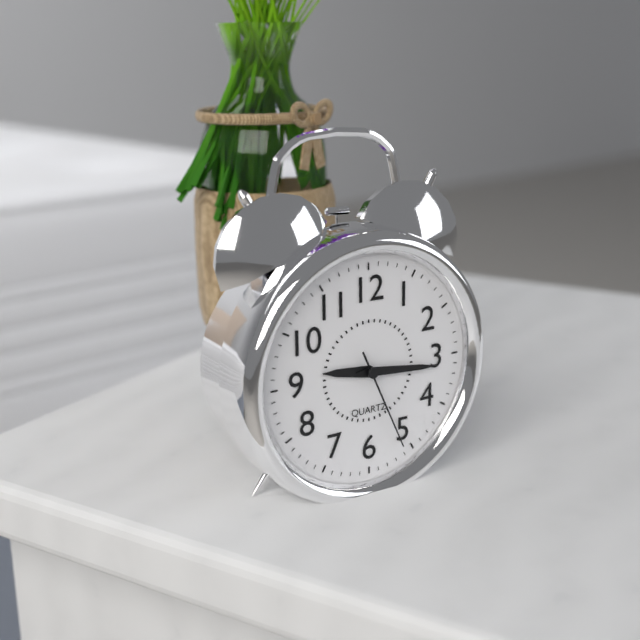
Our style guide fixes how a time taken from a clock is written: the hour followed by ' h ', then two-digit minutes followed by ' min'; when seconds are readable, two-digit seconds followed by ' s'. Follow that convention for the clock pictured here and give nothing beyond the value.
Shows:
9 h 16 min 26 s
